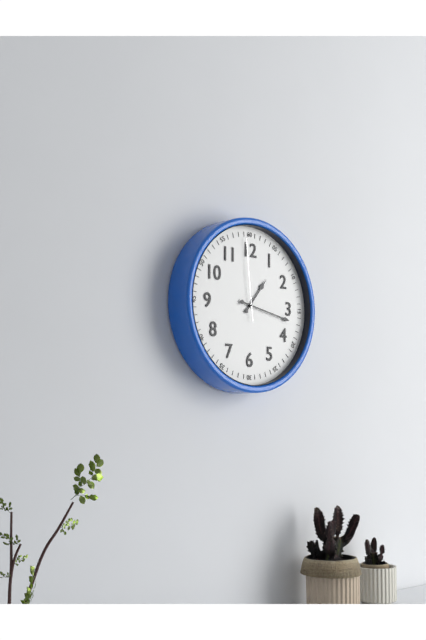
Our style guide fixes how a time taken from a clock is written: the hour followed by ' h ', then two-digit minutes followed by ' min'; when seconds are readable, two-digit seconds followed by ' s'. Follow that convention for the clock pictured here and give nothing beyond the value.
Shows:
1 h 17 min 59 s
